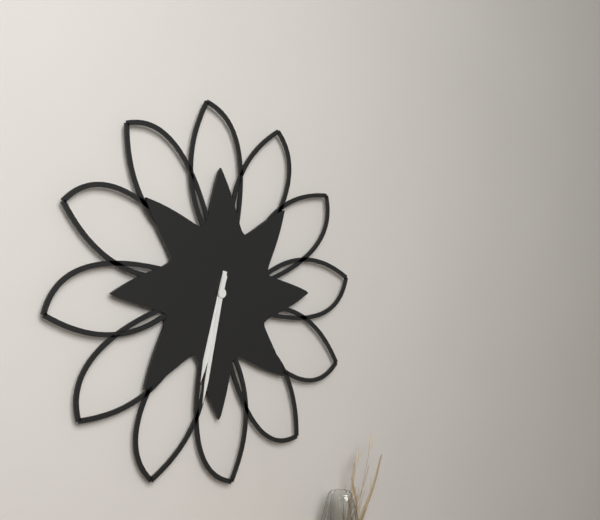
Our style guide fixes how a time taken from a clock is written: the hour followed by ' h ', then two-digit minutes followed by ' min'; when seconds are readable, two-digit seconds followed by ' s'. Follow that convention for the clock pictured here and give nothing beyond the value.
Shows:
6 h 32 min
